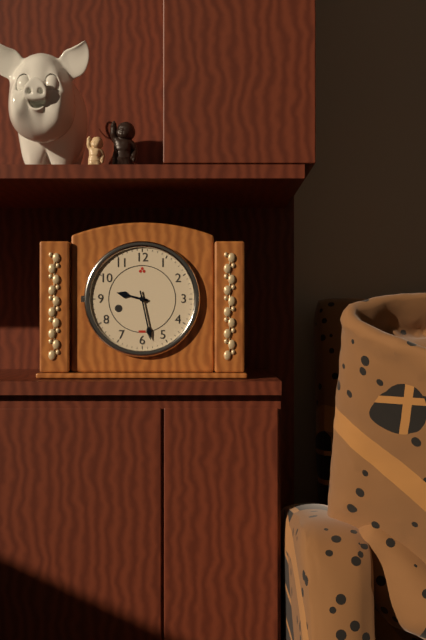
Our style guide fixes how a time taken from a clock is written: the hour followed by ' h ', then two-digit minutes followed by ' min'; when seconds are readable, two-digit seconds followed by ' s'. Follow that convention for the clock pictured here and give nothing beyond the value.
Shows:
9 h 28 min
